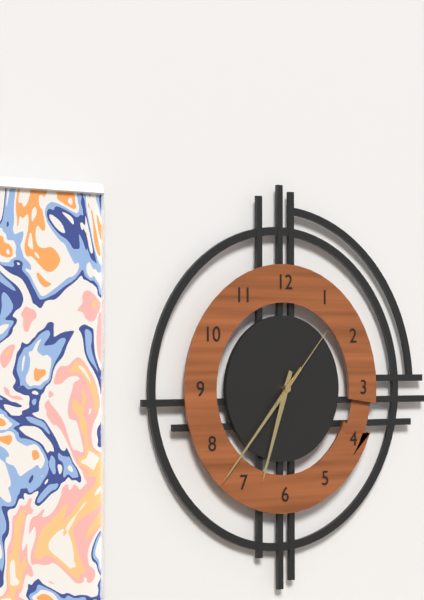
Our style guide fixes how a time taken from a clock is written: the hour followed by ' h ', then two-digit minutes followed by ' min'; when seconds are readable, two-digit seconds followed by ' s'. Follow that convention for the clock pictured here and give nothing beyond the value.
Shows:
6 h 37 min 07 s
